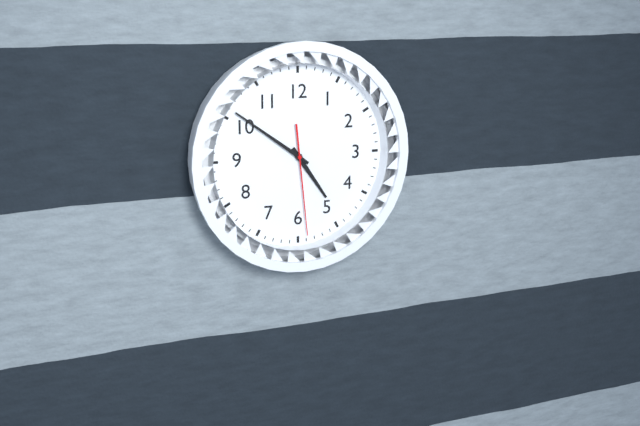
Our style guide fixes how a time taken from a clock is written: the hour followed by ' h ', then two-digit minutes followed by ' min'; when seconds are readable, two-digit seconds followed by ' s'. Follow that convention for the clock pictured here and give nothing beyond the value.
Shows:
4 h 51 min 29 s
